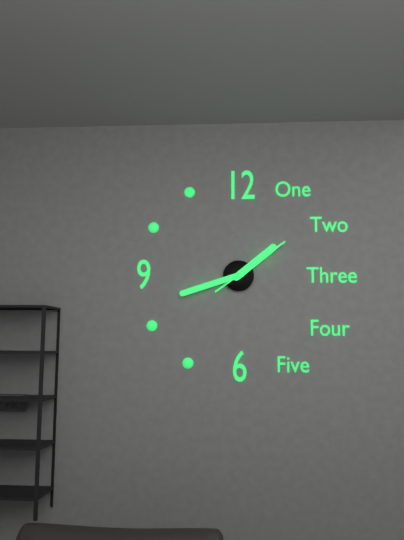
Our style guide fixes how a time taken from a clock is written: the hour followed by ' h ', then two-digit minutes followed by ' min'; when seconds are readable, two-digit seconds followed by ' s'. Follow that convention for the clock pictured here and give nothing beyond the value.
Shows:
1 h 42 min 09 s
